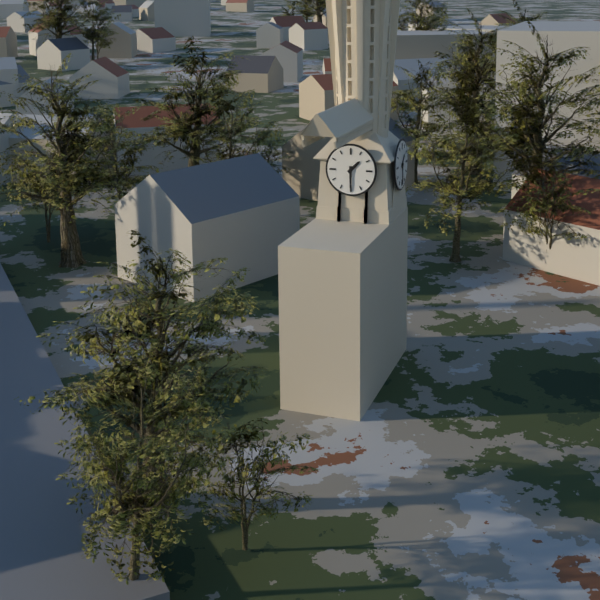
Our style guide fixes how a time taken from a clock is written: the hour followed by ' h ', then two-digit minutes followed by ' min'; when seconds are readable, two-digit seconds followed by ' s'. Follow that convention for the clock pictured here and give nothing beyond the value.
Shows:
1 h 30 min
